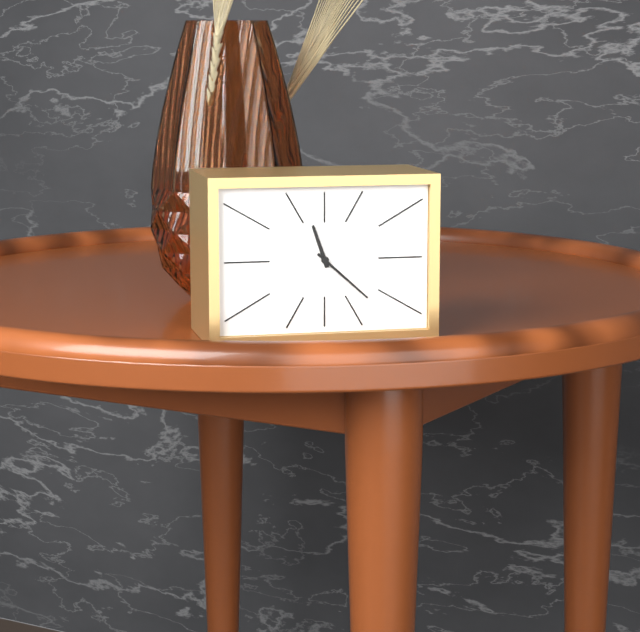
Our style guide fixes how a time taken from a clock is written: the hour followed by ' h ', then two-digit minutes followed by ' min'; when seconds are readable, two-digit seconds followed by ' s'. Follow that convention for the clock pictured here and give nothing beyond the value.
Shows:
11 h 22 min
